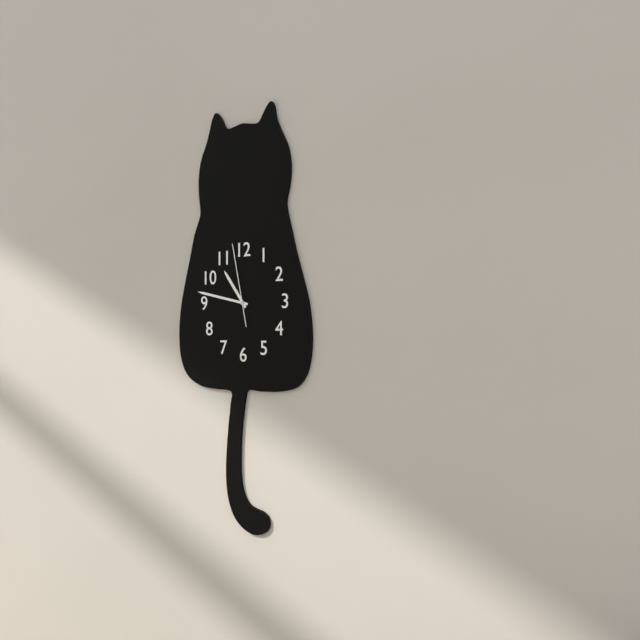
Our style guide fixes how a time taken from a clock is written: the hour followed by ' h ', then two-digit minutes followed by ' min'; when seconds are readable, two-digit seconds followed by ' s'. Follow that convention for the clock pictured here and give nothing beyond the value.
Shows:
10 h 47 min 58 s
